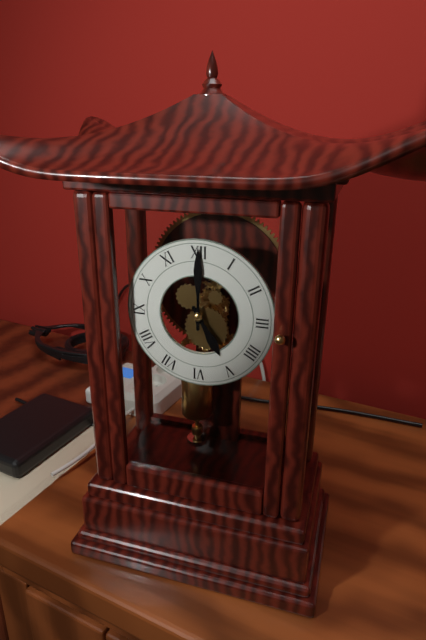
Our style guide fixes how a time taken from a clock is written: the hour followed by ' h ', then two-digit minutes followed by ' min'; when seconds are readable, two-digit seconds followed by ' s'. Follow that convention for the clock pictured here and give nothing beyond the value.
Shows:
5 h 00 min
